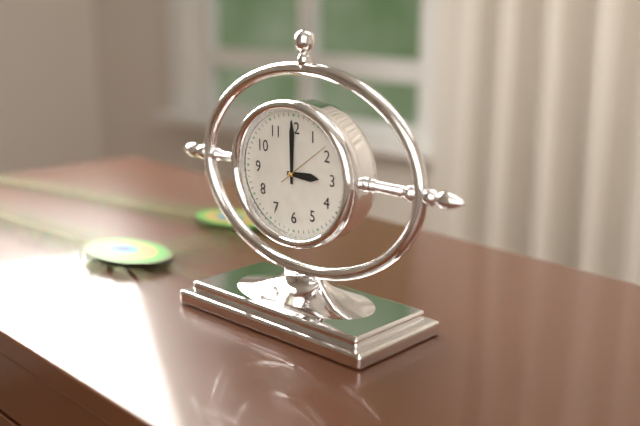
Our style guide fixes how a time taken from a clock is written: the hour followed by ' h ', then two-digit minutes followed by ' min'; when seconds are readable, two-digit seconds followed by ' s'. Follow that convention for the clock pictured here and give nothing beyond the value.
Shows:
3 h 00 min 09 s
